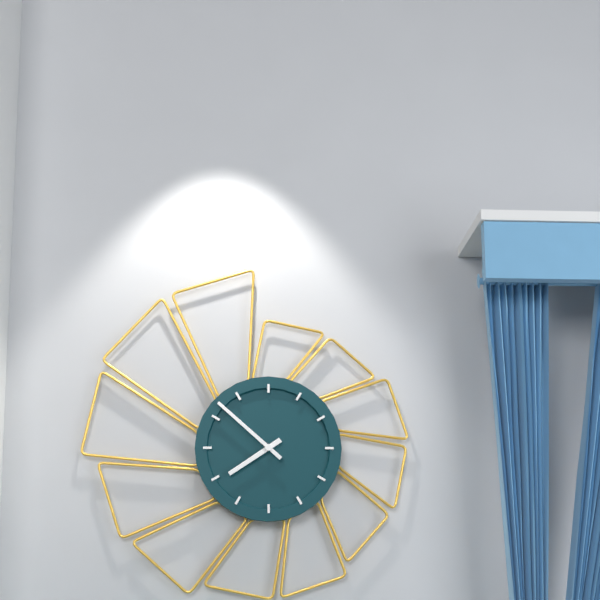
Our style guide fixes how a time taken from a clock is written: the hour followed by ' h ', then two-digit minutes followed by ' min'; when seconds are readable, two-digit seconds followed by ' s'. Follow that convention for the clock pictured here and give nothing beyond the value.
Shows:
7 h 52 min
